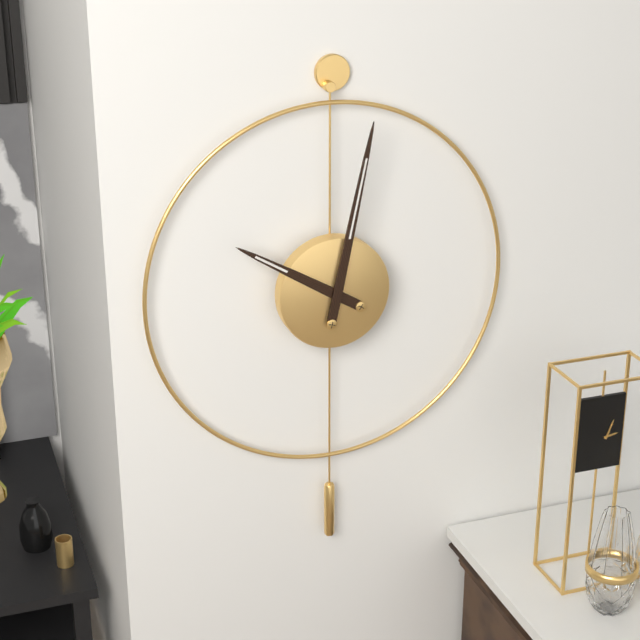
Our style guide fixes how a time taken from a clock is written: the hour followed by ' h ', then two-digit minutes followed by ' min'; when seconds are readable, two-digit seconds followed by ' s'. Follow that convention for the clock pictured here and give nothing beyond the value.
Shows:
10 h 02 min
